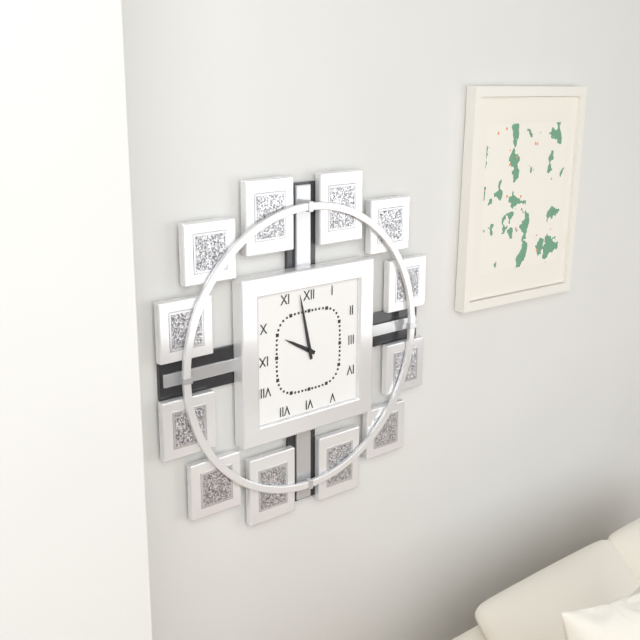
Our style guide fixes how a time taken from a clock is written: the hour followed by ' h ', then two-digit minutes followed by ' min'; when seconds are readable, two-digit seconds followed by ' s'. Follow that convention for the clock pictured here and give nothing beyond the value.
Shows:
9 h 58 min
